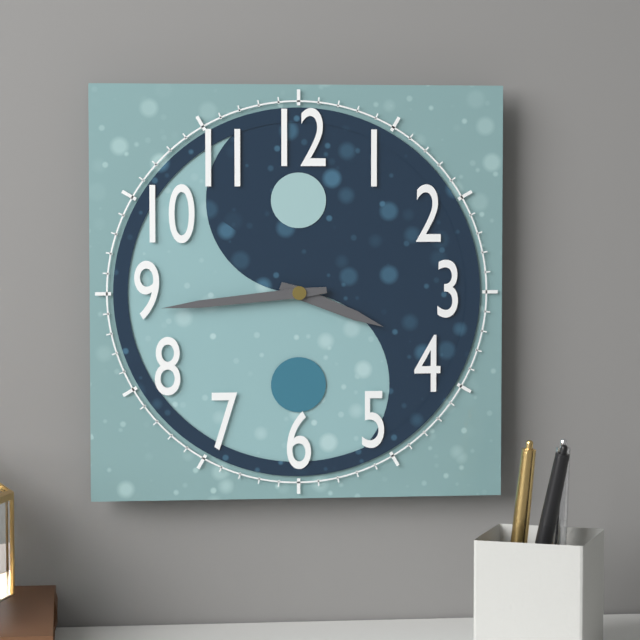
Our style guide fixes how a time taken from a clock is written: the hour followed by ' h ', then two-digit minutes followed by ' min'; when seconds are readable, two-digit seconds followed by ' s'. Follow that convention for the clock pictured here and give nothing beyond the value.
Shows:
3 h 44 min
